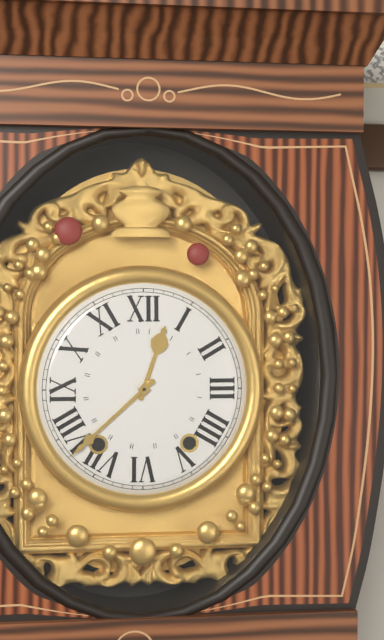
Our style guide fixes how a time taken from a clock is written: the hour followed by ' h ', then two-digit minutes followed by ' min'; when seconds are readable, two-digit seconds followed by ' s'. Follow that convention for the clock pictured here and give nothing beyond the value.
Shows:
12 h 38 min
